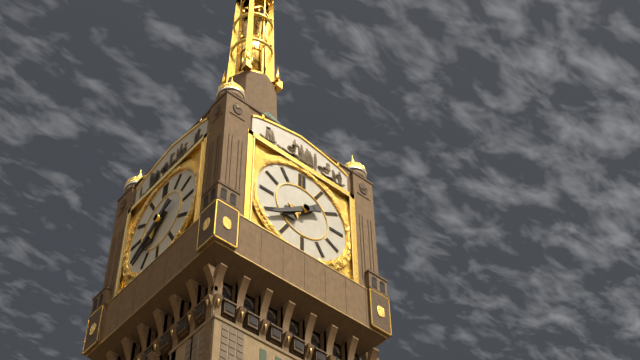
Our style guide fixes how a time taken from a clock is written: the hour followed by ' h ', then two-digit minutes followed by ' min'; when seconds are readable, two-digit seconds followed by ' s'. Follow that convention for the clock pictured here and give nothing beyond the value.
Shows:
7 h 39 min
